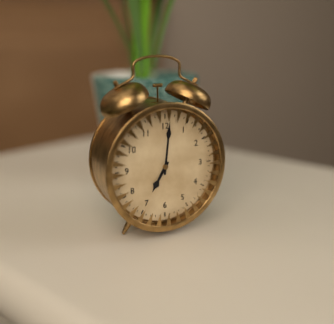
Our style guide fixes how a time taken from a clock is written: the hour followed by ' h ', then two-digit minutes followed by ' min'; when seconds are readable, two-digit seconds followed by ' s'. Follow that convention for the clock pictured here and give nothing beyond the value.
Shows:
7 h 01 min
